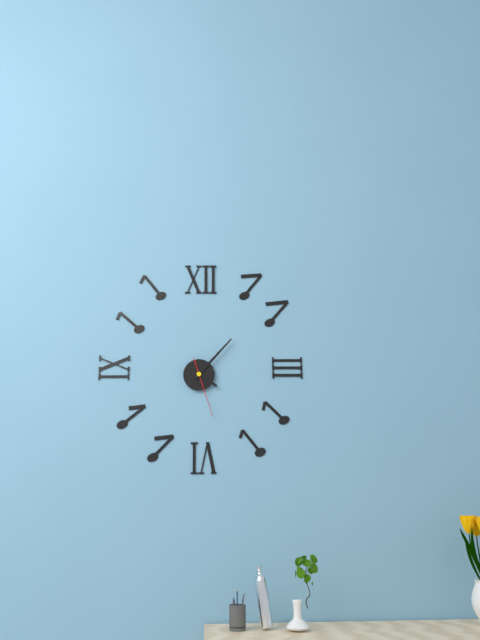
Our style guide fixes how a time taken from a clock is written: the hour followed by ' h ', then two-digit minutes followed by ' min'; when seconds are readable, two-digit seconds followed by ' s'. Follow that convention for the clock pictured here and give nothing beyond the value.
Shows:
4 h 07 min 27 s
